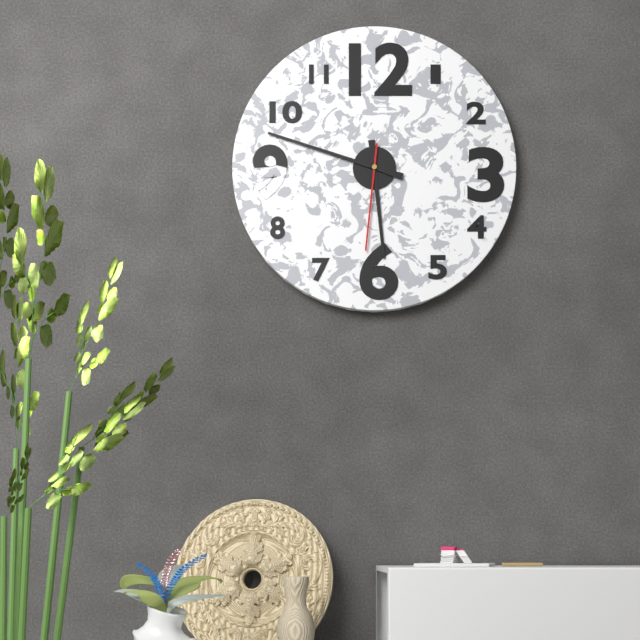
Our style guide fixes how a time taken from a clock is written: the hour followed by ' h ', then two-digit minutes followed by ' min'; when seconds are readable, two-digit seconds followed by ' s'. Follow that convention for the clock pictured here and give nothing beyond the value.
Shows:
5 h 48 min 31 s
